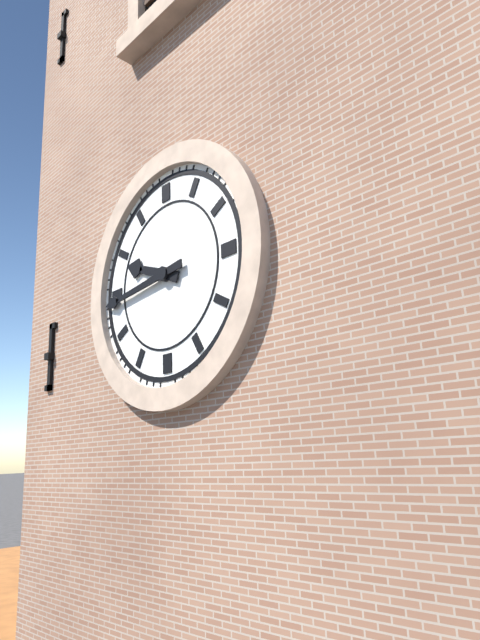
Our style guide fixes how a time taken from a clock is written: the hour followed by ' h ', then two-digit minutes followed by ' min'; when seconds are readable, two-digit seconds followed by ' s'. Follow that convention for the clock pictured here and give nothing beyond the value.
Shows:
9 h 44 min
